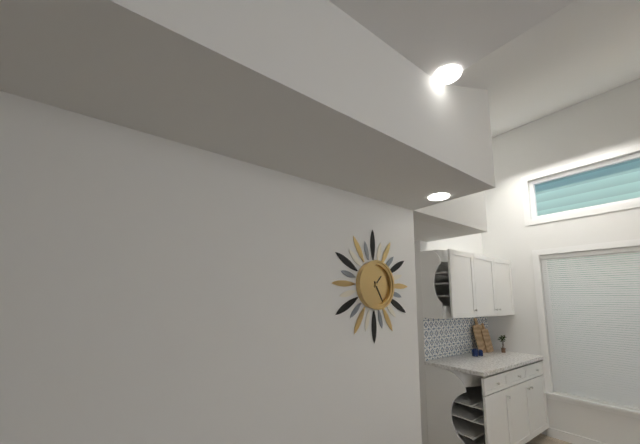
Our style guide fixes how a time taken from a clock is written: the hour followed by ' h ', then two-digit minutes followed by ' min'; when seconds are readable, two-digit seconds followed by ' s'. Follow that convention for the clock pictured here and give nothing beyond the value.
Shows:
1 h 25 min
